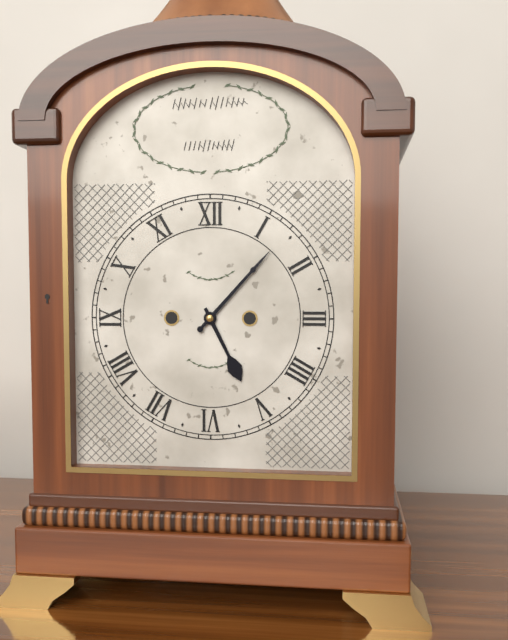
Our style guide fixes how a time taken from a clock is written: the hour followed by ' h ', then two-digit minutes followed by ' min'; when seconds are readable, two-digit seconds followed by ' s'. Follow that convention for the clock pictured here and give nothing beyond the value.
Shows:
5 h 07 min
